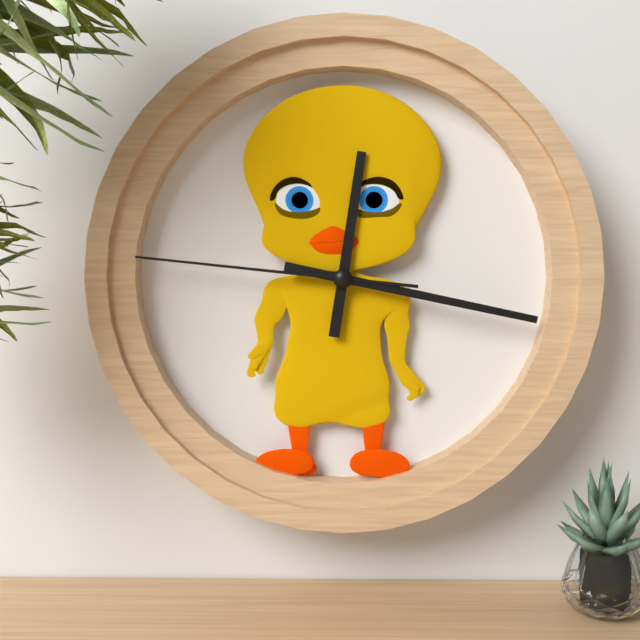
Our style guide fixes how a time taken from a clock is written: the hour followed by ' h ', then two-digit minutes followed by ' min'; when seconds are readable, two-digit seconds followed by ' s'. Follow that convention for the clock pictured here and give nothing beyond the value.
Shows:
12 h 17 min 46 s
